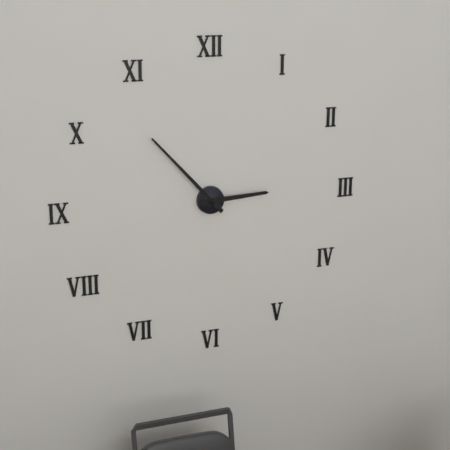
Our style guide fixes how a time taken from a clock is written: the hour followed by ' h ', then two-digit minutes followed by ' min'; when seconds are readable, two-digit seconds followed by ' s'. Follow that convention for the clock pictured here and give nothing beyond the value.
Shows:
2 h 53 min
